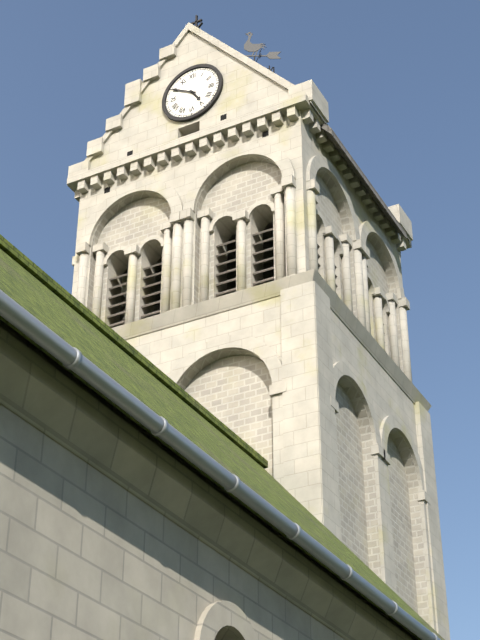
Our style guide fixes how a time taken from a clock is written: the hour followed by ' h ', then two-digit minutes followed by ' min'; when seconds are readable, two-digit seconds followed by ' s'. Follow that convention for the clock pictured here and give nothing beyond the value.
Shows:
4 h 50 min
